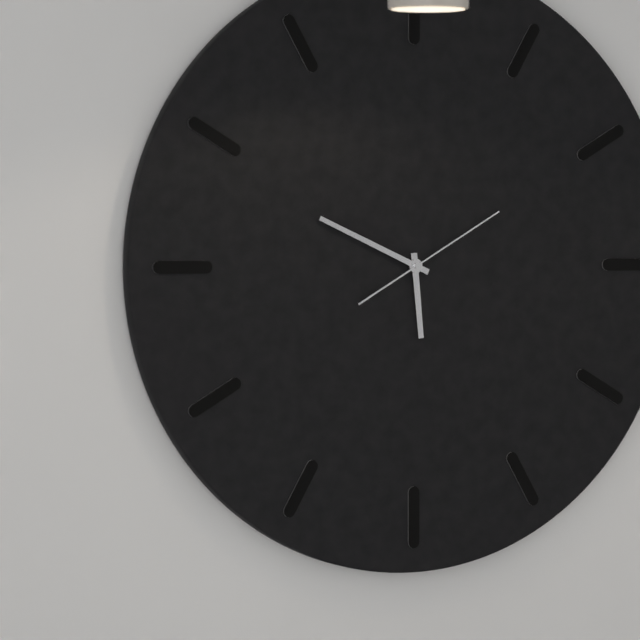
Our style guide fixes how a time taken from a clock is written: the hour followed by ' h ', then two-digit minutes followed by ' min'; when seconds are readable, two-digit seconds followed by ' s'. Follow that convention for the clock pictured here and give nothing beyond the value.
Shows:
5 h 49 min 10 s
